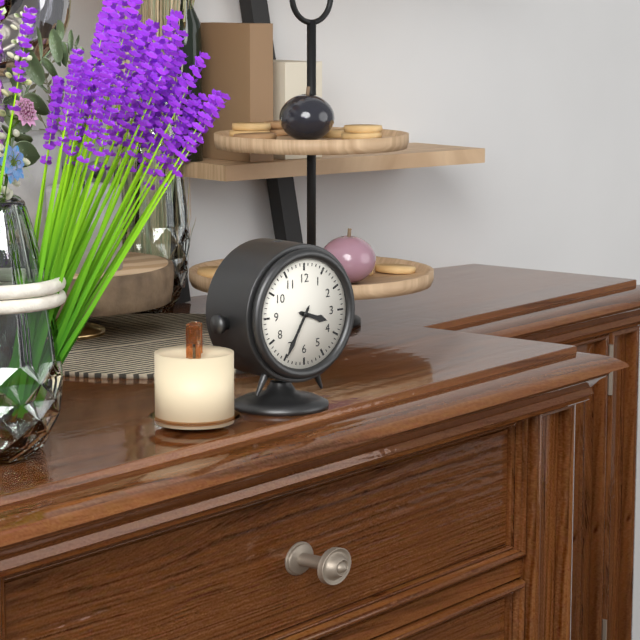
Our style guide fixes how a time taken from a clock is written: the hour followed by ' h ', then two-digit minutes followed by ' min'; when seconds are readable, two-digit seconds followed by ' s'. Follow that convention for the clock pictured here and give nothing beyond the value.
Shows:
3 h 35 min
